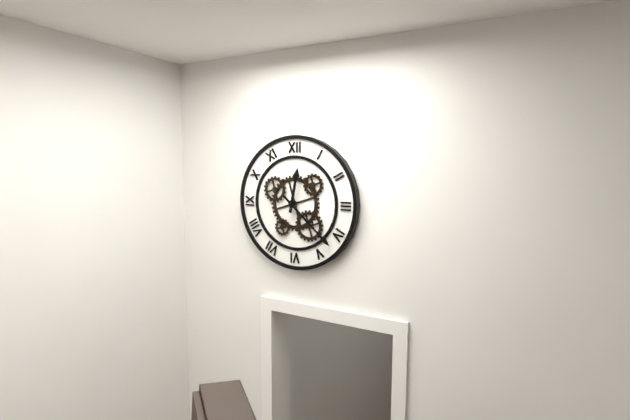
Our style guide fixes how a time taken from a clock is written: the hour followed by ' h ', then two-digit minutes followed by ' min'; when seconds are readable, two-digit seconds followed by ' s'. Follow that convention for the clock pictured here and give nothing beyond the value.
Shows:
12 h 22 min
